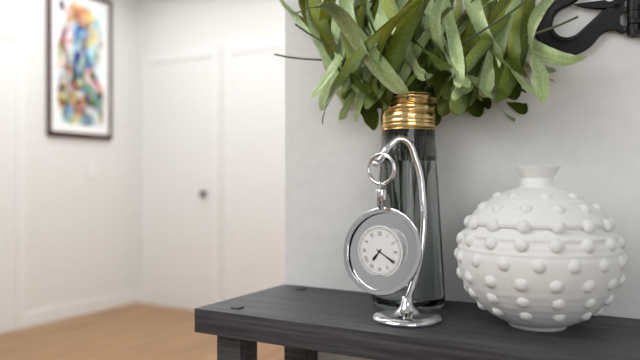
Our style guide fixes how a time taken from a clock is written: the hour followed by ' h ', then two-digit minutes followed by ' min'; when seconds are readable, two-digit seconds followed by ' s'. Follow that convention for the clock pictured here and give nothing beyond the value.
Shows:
7 h 20 min
